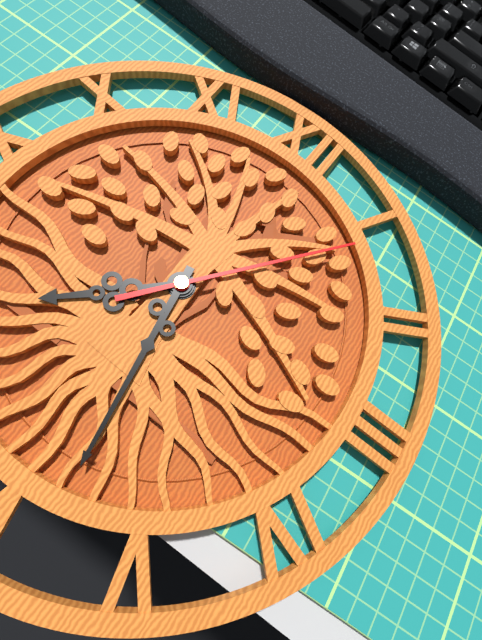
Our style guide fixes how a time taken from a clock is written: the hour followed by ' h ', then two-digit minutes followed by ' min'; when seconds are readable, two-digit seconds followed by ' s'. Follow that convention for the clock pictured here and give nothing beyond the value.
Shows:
7 h 28 min 06 s
